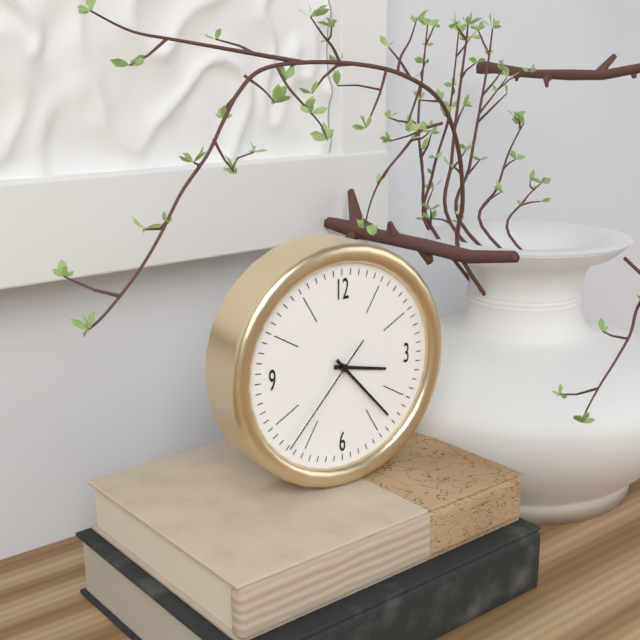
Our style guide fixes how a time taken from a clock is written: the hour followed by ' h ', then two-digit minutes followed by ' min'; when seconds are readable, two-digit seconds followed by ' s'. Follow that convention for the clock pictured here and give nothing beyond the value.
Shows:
3 h 23 min 37 s
